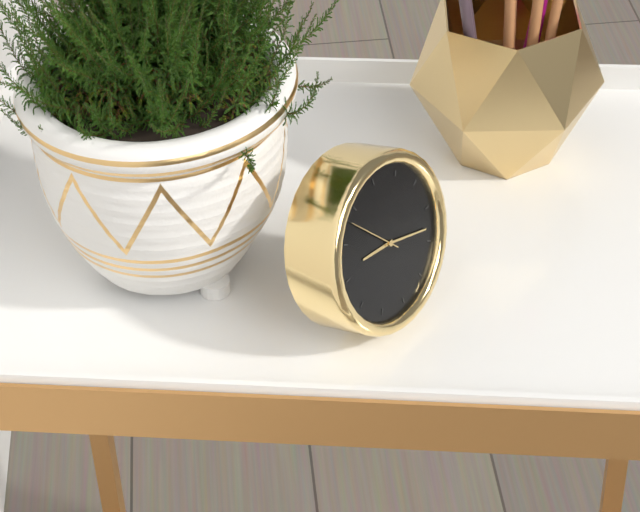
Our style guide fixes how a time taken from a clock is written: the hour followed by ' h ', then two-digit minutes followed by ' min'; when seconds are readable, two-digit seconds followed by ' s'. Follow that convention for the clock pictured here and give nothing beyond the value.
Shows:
9 h 18 min 53 s
